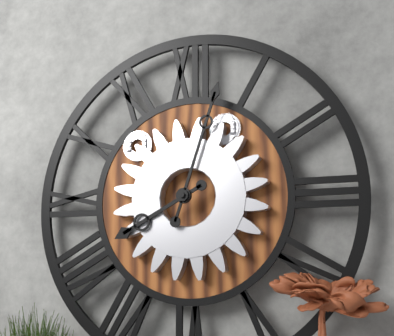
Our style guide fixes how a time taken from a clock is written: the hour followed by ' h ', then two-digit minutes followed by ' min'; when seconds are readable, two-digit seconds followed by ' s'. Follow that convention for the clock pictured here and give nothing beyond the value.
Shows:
8 h 03 min
